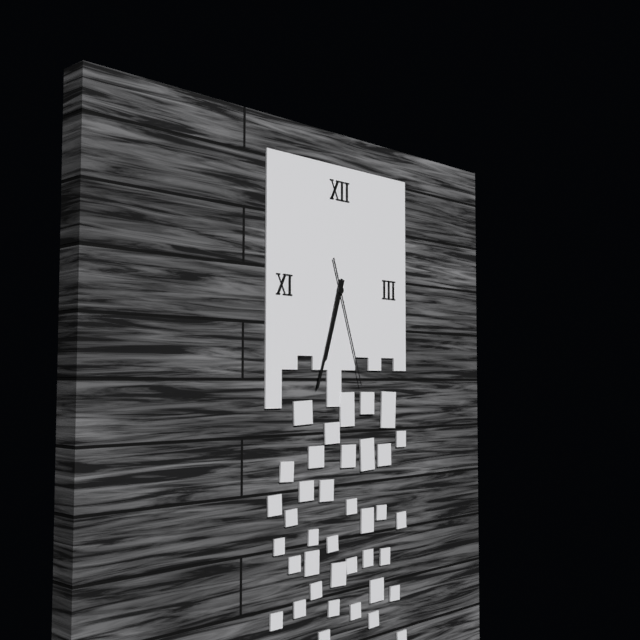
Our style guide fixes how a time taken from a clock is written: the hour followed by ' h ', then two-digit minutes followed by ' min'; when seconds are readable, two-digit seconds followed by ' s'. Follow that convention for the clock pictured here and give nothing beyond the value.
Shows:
6 h 33 min 27 s
